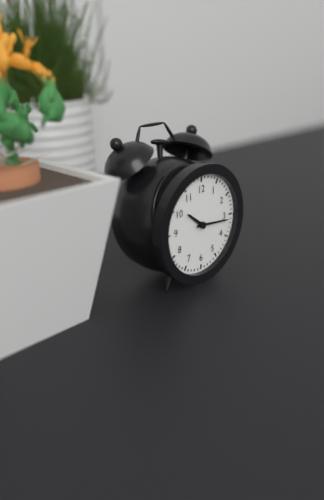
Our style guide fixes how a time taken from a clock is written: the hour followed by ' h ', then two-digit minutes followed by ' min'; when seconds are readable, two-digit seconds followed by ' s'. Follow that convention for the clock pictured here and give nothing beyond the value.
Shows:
10 h 16 min
